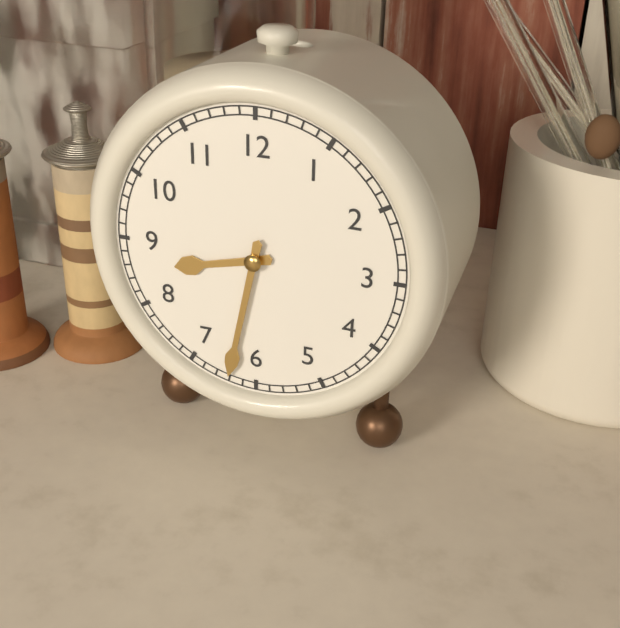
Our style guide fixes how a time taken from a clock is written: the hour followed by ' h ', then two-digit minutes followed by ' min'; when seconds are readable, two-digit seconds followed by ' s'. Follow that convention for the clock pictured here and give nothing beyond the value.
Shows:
8 h 32 min
